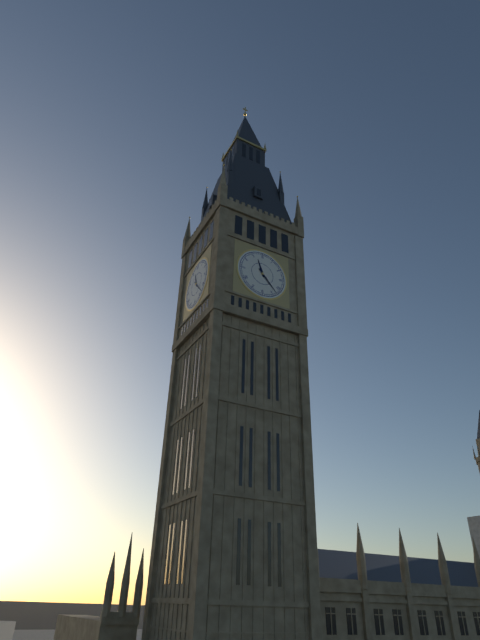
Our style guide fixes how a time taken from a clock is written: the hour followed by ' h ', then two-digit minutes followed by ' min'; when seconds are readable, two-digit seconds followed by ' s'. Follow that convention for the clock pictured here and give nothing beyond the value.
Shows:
11 h 23 min
